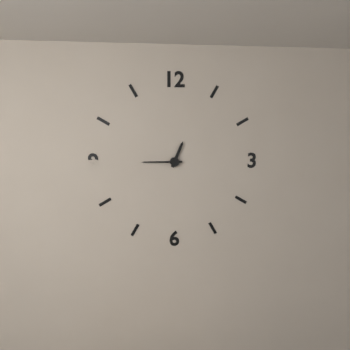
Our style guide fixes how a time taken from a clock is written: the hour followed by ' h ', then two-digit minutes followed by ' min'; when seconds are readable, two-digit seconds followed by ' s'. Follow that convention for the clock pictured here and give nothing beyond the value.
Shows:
12 h 45 min
